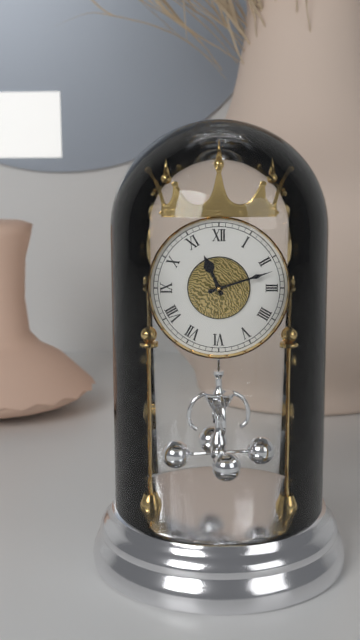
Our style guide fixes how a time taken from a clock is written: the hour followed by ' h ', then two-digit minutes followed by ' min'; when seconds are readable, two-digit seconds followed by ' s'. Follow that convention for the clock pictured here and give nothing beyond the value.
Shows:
11 h 12 min
